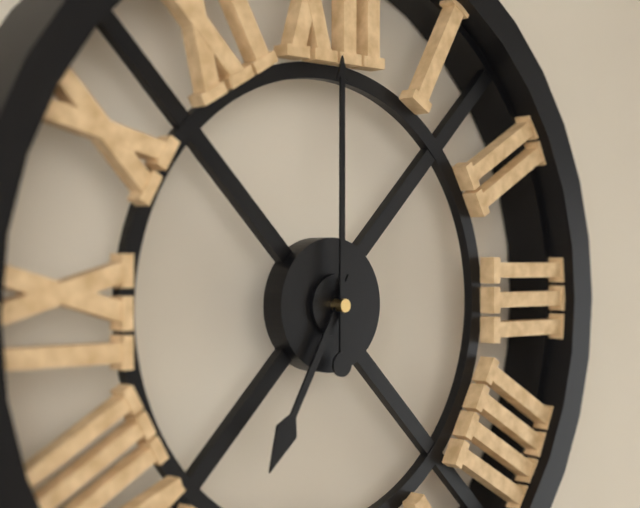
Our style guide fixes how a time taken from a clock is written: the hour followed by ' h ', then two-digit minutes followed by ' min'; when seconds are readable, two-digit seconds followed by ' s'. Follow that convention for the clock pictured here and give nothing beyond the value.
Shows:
7 h 00 min
